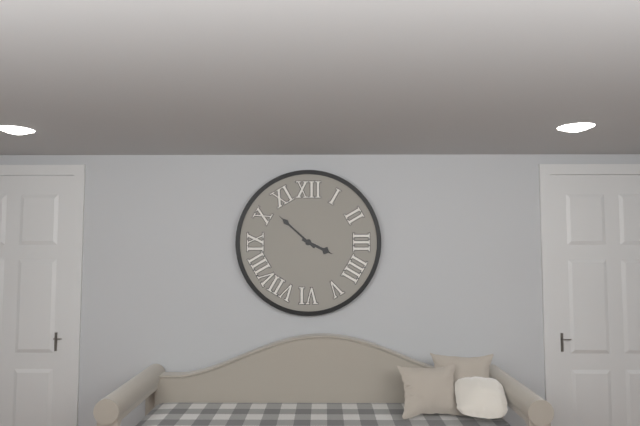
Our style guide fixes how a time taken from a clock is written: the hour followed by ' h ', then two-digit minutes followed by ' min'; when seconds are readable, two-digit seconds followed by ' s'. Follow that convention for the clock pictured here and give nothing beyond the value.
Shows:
3 h 52 min
